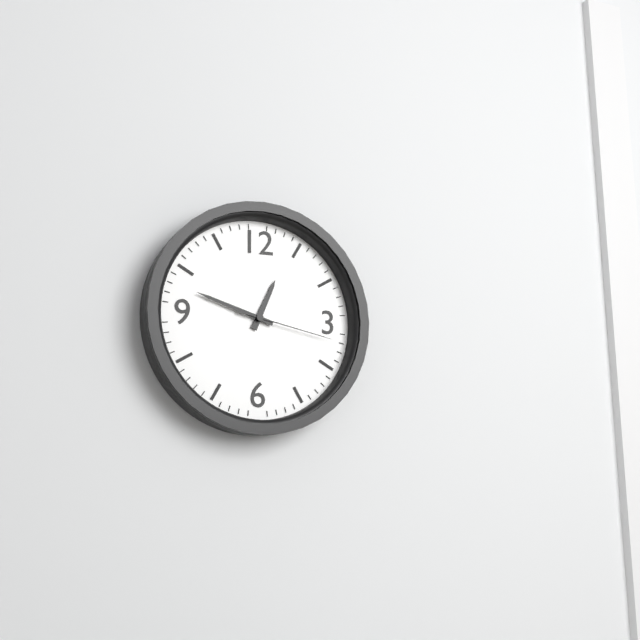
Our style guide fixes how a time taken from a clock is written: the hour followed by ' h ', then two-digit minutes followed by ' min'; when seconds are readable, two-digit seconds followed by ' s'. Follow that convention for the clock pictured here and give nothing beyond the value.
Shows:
12 h 48 min 17 s
